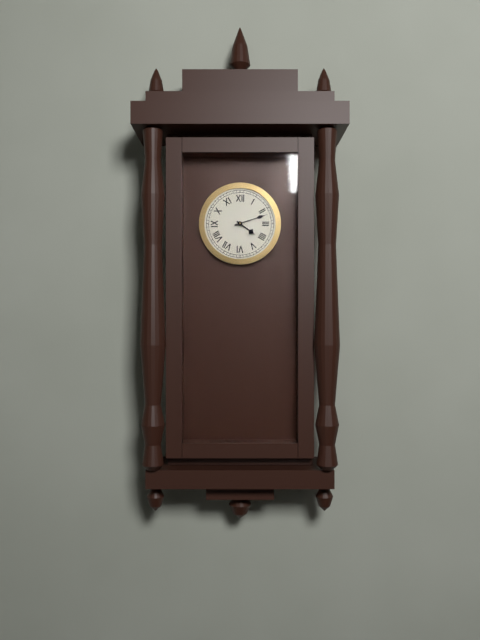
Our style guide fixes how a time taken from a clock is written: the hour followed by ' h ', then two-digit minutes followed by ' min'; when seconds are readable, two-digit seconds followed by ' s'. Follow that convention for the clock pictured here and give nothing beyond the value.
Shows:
4 h 12 min
